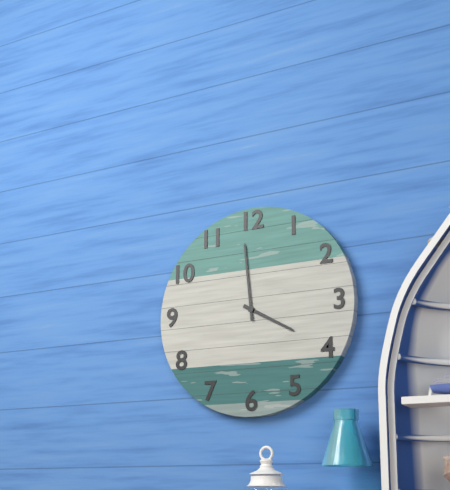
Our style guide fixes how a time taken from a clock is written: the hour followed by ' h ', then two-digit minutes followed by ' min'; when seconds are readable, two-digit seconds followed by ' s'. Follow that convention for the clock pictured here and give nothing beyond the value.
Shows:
3 h 59 min
